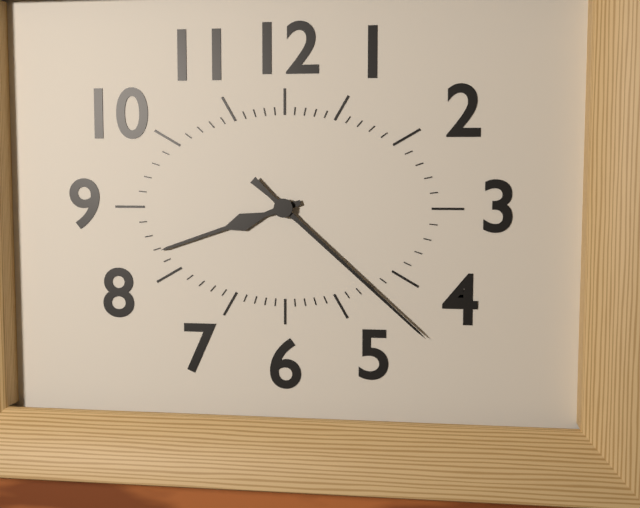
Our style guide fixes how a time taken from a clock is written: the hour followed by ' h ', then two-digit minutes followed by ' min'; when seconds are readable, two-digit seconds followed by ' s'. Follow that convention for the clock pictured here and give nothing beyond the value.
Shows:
8 h 22 min
